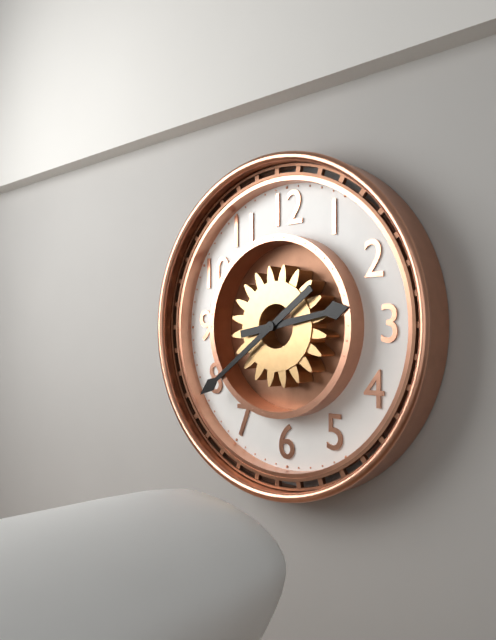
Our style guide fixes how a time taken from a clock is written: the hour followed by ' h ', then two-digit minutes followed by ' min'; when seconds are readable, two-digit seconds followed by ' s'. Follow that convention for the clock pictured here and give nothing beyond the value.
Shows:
2 h 39 min
